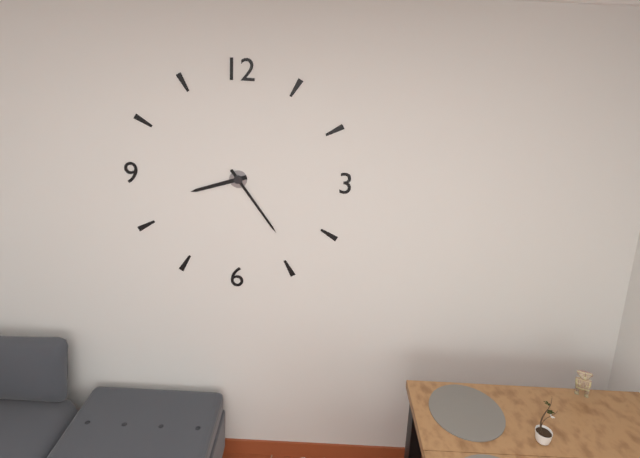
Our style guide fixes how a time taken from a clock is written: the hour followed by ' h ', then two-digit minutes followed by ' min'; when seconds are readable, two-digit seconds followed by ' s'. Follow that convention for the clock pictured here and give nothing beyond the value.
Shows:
8 h 24 min
